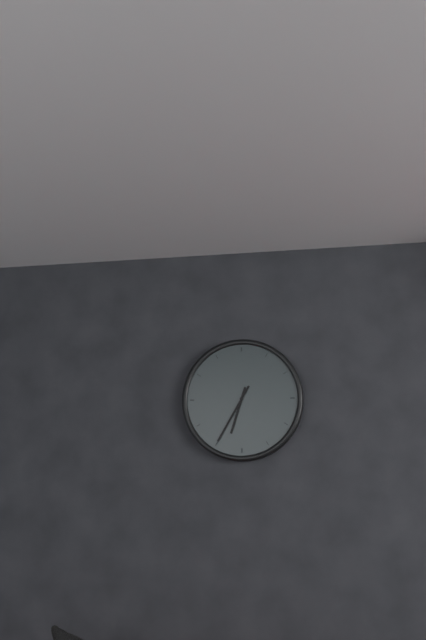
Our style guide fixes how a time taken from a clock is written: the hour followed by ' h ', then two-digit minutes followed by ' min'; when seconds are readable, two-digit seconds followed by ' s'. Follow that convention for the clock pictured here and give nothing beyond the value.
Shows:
6 h 35 min
